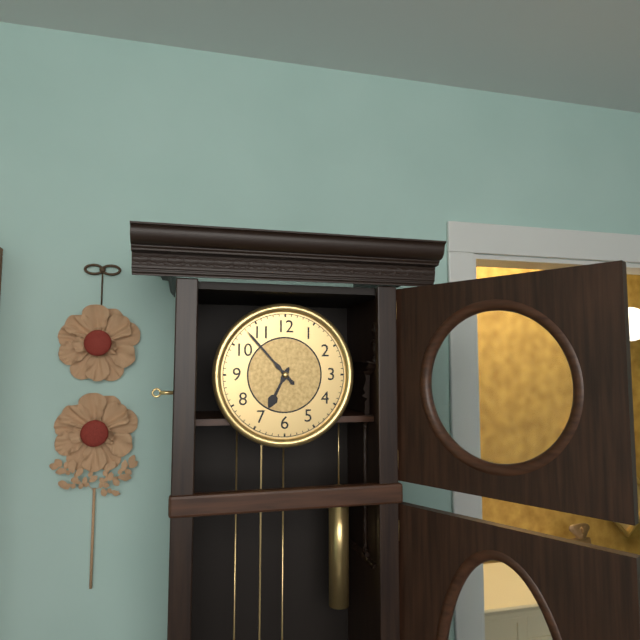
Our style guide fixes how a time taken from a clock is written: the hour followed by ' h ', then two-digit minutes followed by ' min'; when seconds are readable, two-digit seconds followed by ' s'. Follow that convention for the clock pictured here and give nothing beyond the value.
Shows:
6 h 53 min
